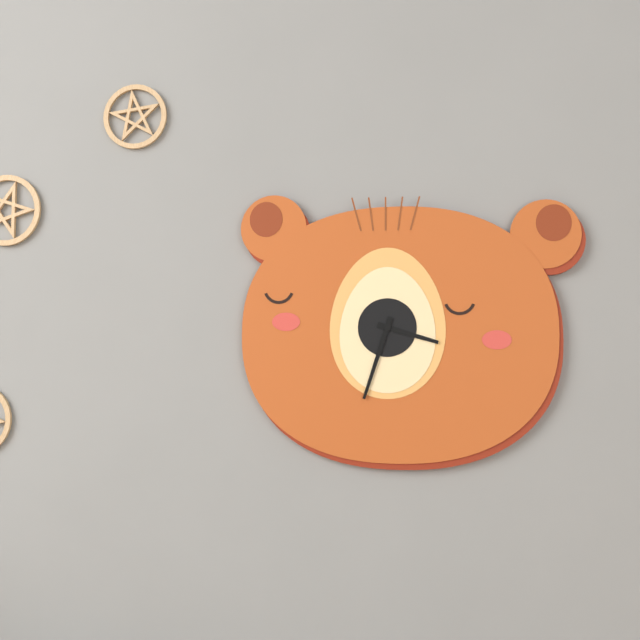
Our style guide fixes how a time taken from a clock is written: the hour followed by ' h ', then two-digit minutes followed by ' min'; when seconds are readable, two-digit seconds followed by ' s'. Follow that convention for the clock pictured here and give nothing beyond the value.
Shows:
3 h 33 min
